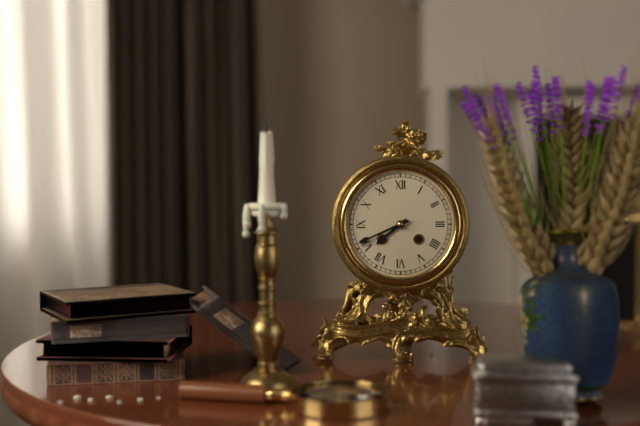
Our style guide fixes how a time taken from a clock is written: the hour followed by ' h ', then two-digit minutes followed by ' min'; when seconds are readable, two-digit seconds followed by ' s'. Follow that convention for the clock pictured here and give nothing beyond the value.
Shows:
7 h 41 min
